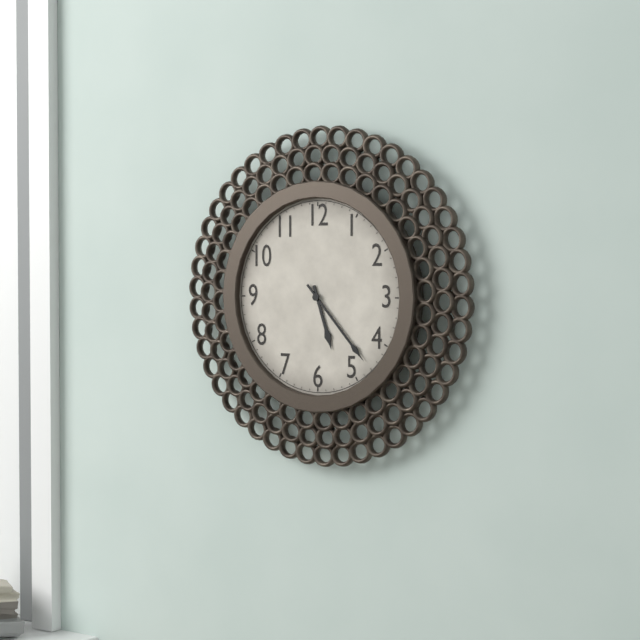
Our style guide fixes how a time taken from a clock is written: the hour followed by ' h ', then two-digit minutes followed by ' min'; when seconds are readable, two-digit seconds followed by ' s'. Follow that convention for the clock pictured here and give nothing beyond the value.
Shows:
5 h 23 min
